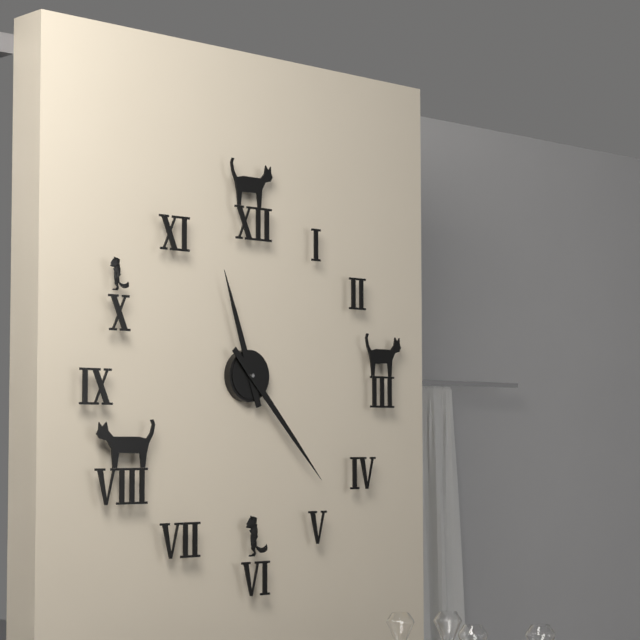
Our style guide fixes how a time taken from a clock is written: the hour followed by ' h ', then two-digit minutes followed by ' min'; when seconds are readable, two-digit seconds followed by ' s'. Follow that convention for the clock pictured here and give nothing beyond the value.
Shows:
11 h 23 min
